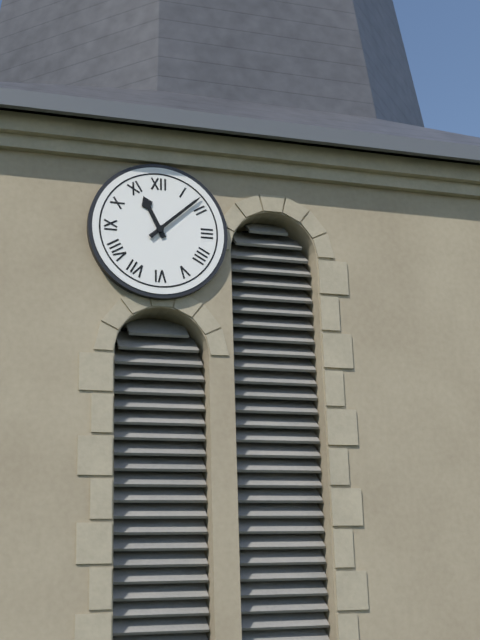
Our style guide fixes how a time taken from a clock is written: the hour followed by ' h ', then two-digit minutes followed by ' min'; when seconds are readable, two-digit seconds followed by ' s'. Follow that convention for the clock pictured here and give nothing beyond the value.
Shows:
11 h 08 min
